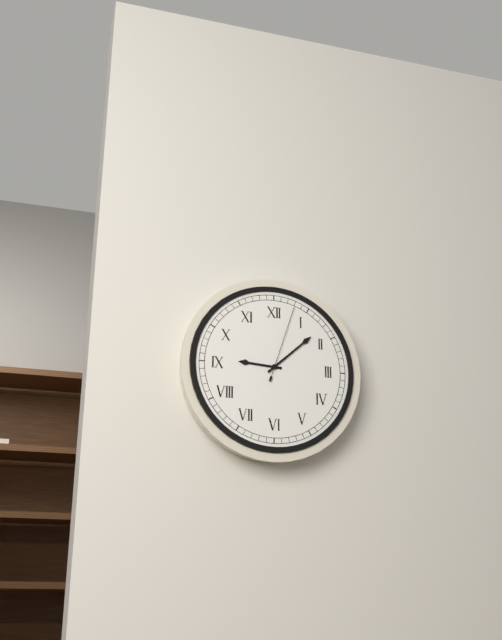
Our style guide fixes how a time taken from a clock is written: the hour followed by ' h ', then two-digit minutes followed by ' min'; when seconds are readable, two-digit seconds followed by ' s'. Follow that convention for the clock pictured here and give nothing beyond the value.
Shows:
9 h 08 min 03 s
